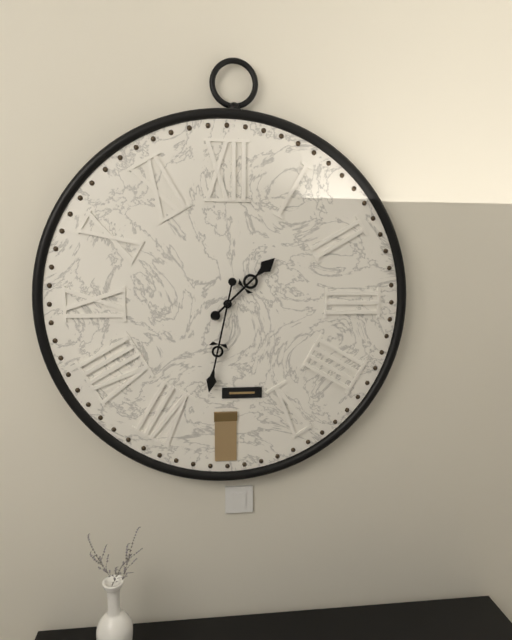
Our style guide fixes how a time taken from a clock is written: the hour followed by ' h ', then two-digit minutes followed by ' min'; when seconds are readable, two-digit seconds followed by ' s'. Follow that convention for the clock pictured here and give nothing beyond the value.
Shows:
1 h 32 min
